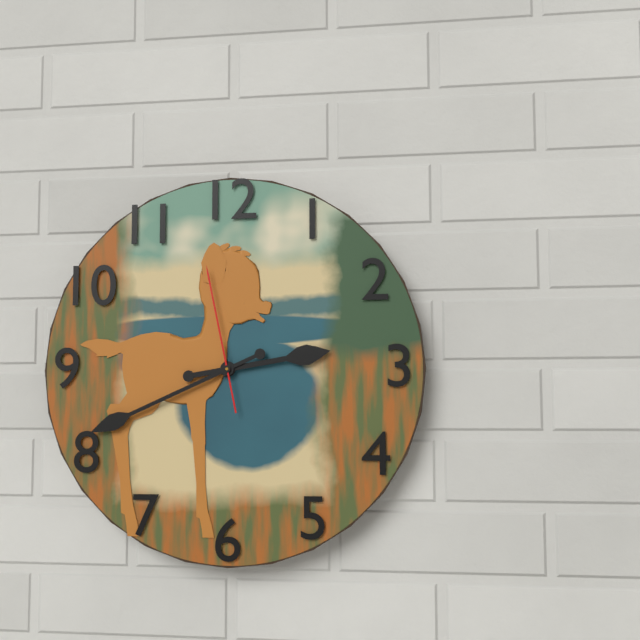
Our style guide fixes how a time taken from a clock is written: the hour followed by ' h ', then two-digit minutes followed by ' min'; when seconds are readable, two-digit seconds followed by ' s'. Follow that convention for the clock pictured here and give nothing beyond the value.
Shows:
2 h 41 min 58 s
